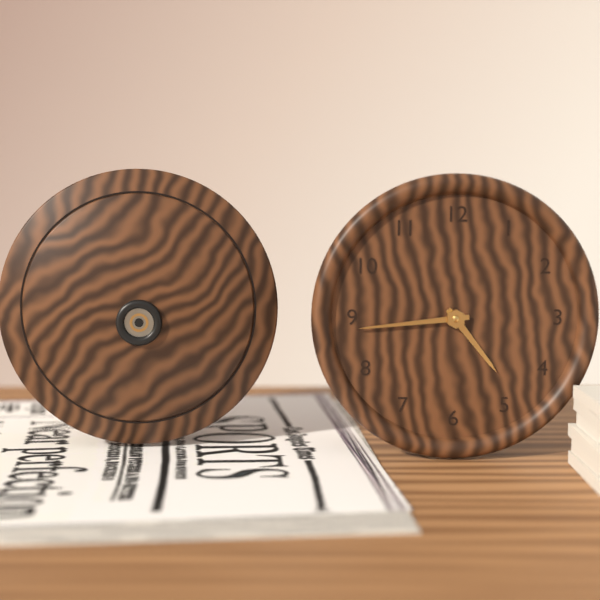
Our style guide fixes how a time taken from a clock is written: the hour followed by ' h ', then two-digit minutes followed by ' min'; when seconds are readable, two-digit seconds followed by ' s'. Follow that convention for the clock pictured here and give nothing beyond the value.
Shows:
4 h 44 min
